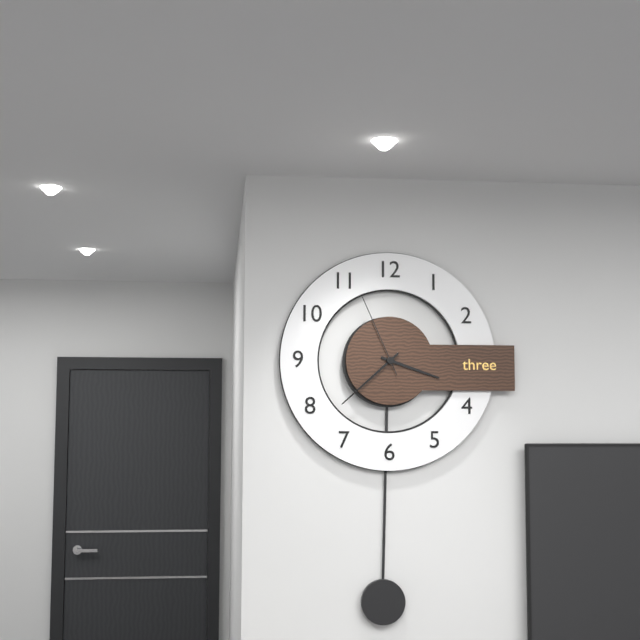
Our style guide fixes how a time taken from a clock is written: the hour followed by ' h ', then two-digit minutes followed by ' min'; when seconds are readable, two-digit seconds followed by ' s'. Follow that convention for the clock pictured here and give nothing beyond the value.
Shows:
3 h 38 min 56 s
